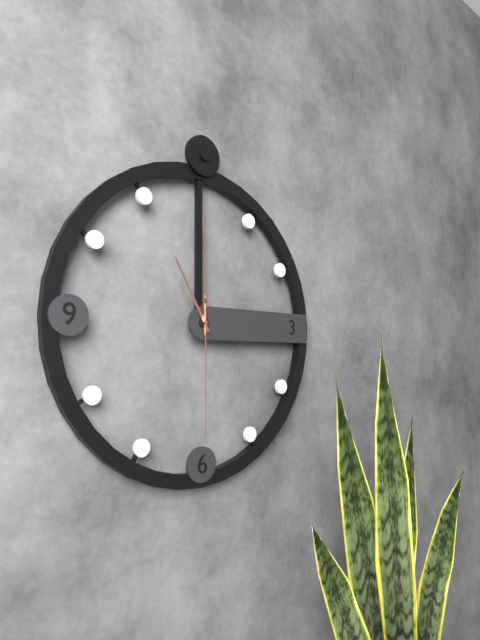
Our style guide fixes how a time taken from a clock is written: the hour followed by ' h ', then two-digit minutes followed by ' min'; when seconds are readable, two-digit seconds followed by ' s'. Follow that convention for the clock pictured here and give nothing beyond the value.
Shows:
11 h 00 min 30 s
